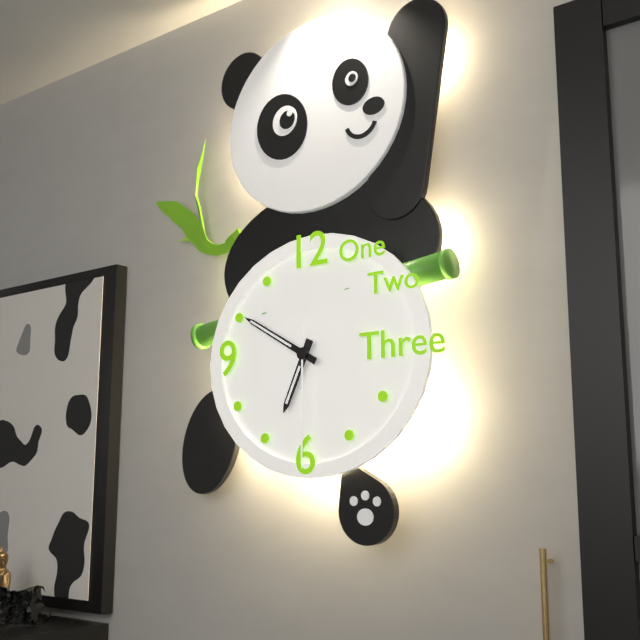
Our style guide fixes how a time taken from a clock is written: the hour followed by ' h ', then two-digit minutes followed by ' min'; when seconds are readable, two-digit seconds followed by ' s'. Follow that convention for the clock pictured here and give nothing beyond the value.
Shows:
6 h 50 min 30 s
